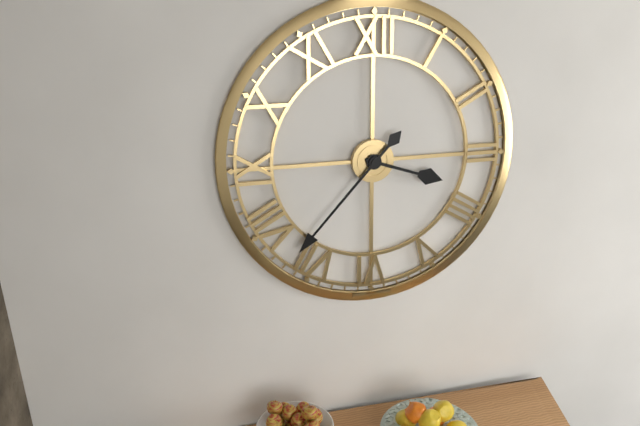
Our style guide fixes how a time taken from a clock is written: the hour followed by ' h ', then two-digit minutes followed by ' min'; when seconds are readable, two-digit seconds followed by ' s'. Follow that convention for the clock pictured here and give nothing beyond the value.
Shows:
3 h 37 min
